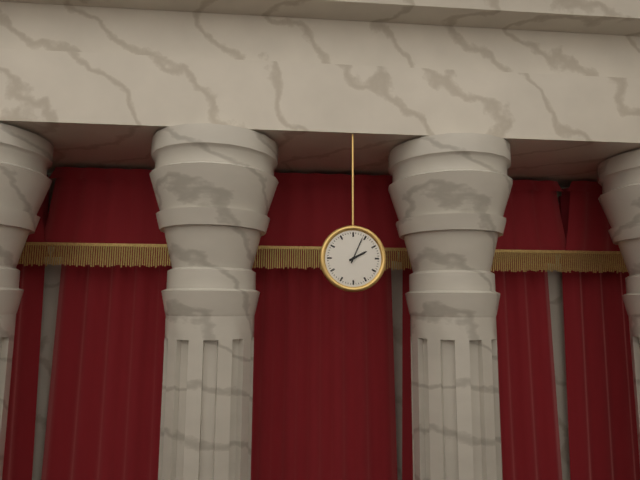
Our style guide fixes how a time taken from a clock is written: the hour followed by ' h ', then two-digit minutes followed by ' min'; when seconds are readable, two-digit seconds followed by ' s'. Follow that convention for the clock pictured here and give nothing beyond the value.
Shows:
2 h 04 min
